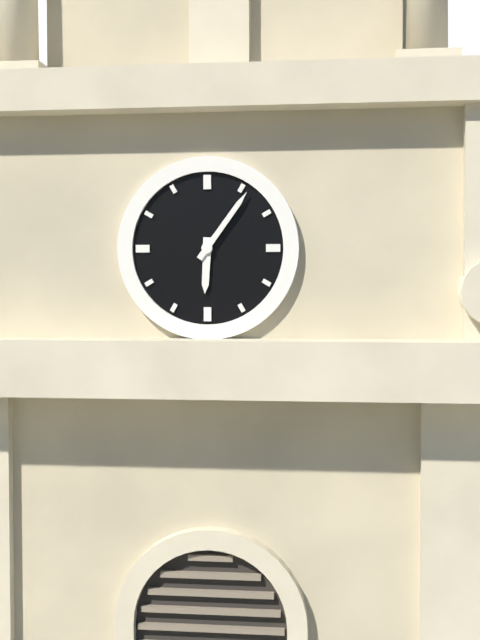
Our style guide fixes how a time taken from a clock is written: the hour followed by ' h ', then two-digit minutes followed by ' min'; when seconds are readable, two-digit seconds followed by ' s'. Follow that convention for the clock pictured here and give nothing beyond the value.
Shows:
6 h 06 min
